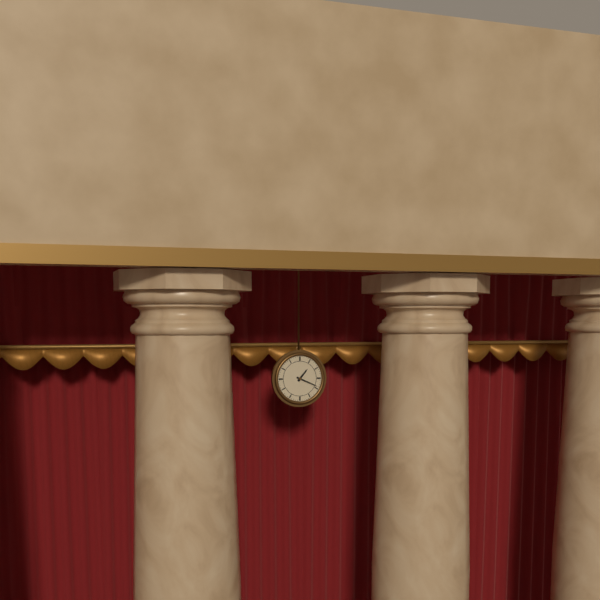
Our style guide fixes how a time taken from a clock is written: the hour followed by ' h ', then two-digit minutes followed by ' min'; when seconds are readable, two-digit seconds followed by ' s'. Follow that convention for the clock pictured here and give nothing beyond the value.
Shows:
1 h 19 min
